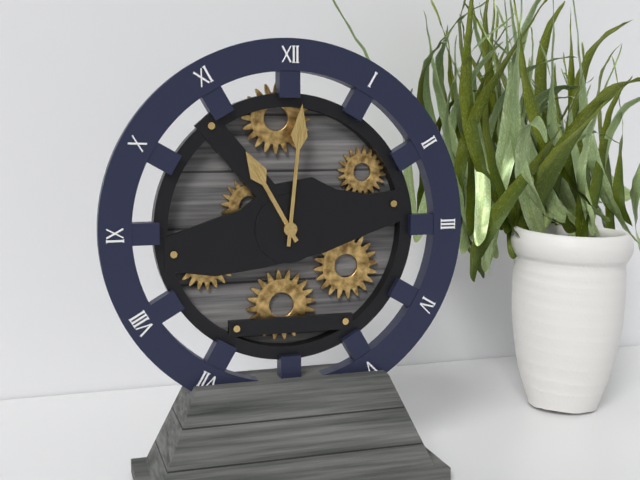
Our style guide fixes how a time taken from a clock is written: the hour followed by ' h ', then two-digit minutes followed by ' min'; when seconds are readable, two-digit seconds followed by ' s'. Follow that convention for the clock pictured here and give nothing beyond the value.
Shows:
11 h 01 min
